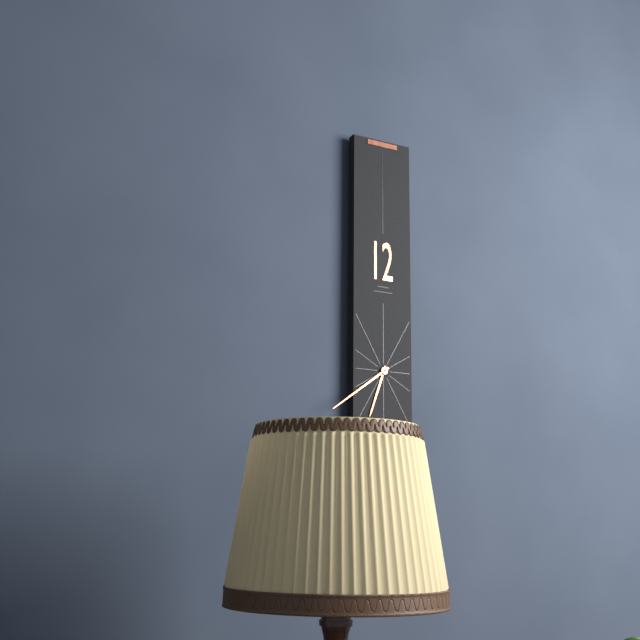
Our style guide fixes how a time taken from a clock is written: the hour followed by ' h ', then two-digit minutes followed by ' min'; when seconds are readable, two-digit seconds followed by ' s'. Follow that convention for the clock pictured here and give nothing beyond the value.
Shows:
6 h 39 min
